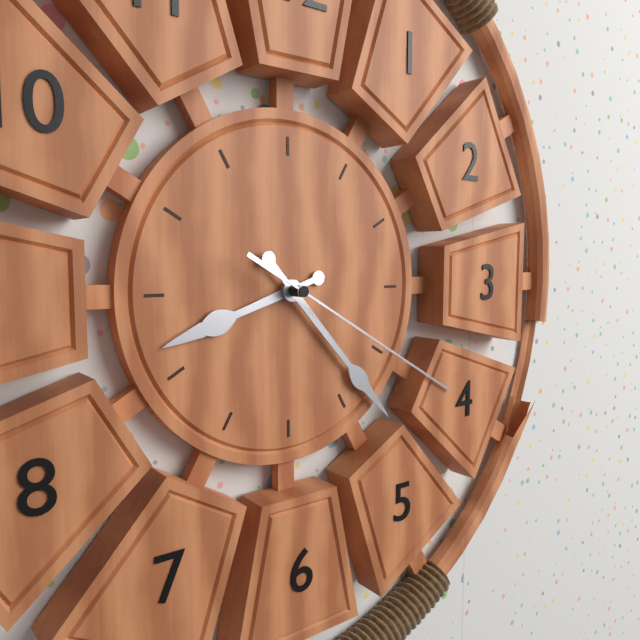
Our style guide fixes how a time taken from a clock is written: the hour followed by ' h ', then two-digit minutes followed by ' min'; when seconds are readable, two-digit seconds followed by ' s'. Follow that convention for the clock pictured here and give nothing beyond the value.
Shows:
8 h 23 min 20 s
